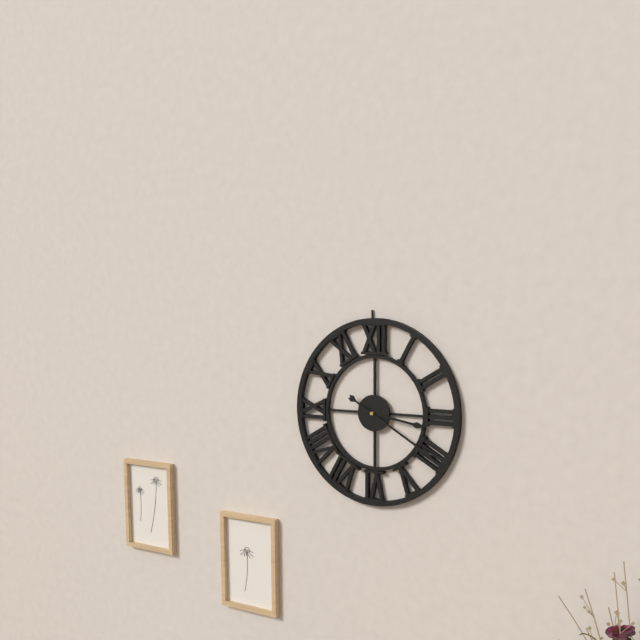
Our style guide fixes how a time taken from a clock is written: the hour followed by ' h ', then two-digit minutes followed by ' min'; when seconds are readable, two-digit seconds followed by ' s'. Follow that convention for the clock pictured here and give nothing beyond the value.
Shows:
3 h 20 min
